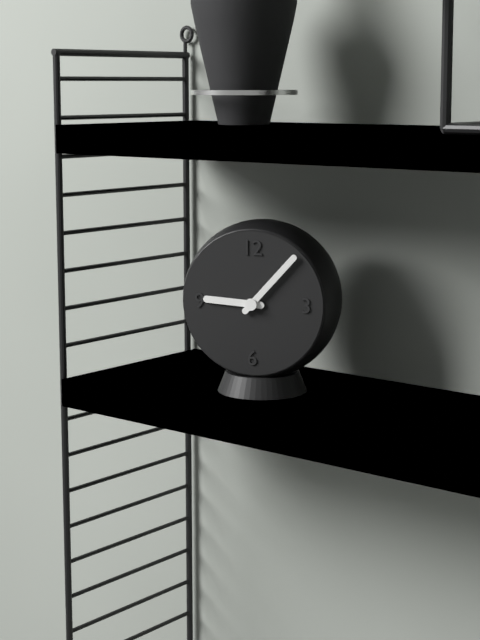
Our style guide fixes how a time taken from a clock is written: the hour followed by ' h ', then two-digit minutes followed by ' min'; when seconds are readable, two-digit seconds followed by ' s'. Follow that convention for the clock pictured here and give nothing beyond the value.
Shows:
9 h 07 min
